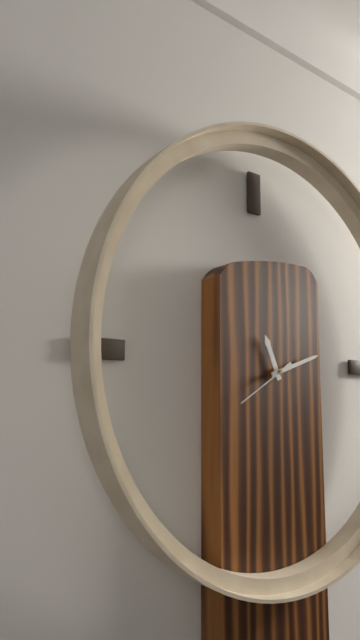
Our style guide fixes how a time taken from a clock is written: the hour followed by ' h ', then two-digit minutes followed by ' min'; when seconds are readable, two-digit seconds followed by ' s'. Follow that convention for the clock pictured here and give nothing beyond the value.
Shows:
11 h 12 min
